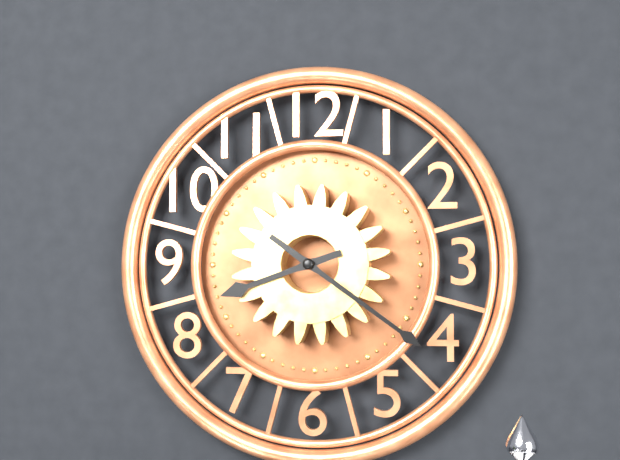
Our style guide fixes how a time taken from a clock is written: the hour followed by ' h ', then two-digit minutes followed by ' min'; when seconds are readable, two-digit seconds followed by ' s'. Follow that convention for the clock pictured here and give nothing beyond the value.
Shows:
8 h 21 min
